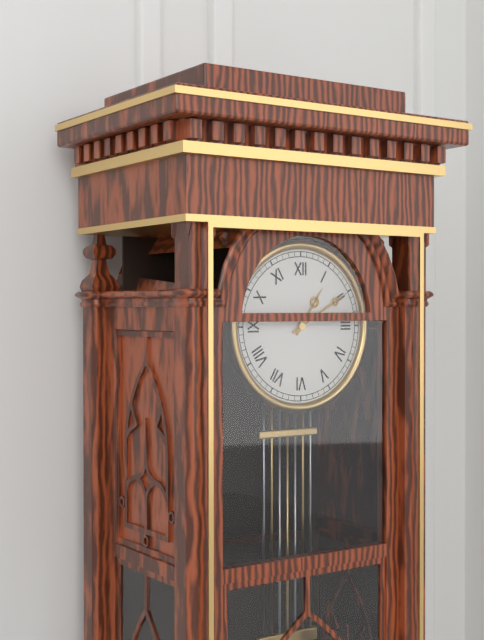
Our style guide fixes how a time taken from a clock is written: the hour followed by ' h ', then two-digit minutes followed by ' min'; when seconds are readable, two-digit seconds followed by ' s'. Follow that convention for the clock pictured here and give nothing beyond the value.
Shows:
1 h 10 min
